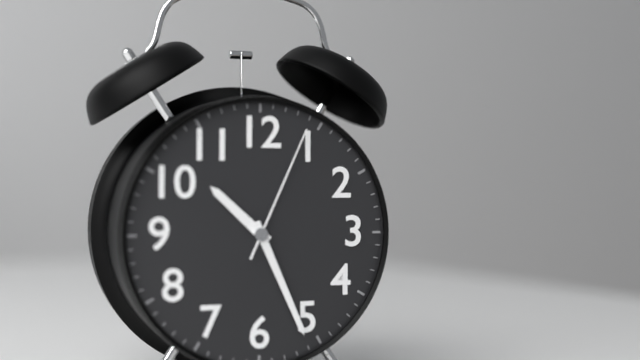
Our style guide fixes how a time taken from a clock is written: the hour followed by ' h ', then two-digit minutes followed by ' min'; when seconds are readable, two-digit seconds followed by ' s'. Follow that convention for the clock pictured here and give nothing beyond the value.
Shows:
10 h 26 min 04 s
